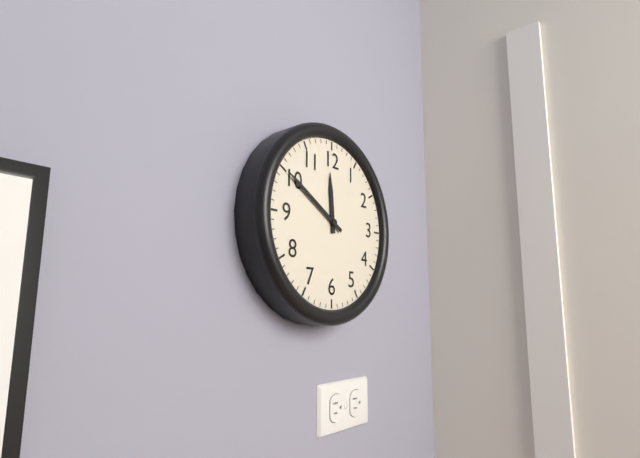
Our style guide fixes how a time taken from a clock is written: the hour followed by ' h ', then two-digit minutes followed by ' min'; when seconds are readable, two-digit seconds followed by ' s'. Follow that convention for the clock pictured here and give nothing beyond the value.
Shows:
11 h 50 min
